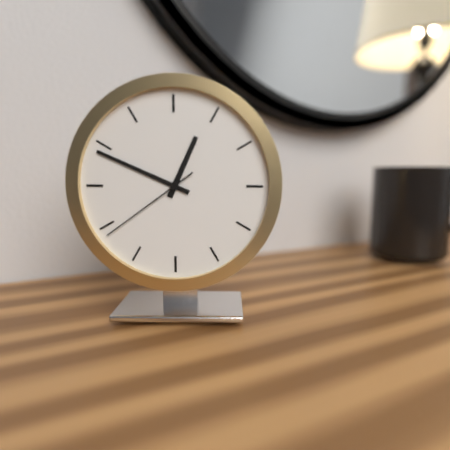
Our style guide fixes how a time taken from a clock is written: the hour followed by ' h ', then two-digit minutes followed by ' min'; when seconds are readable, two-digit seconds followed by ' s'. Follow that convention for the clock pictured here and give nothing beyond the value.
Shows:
12 h 49 min 39 s
